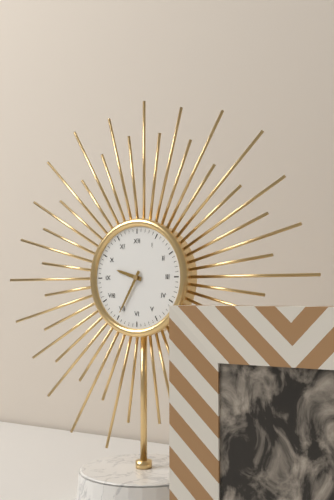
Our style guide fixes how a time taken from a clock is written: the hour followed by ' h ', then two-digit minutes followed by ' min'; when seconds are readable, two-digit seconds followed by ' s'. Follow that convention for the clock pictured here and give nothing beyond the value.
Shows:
9 h 35 min
